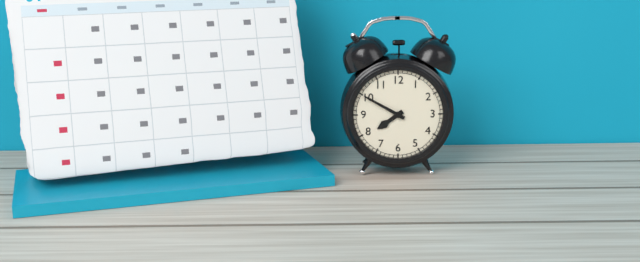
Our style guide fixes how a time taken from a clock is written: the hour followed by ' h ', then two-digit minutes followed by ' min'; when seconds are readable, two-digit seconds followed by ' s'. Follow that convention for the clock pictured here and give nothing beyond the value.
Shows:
7 h 50 min
